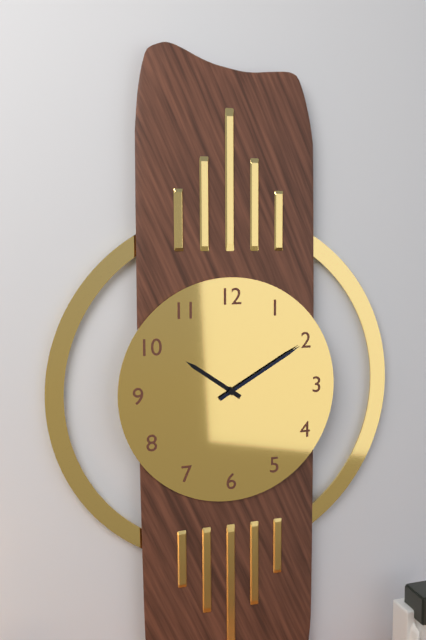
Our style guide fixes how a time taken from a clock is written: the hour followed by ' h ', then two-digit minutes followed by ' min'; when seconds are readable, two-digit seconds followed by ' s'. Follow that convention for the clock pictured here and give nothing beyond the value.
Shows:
10 h 10 min
